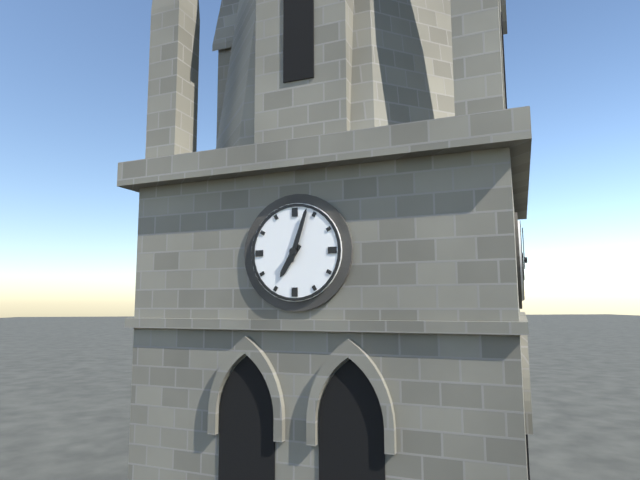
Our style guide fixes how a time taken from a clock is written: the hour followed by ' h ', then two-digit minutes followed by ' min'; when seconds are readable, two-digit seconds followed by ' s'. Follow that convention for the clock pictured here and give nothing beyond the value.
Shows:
7 h 03 min
